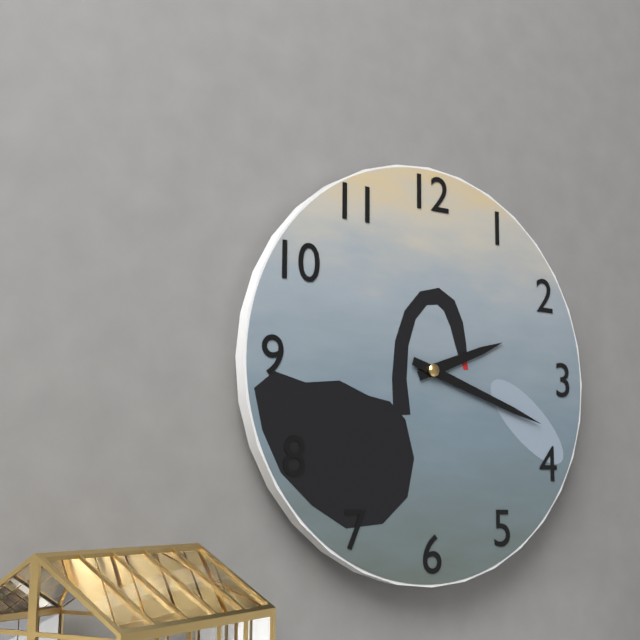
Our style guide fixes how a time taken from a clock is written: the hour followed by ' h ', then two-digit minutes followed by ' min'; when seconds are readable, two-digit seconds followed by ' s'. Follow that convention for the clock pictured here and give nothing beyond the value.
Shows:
2 h 18 min
